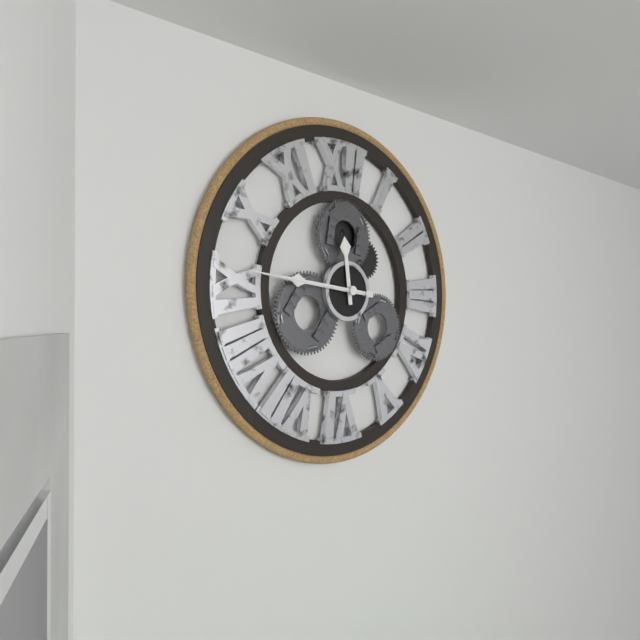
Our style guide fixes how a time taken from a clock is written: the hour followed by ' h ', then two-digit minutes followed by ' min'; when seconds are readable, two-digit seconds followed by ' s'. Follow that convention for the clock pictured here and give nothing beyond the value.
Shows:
11 h 46 min 46 s
